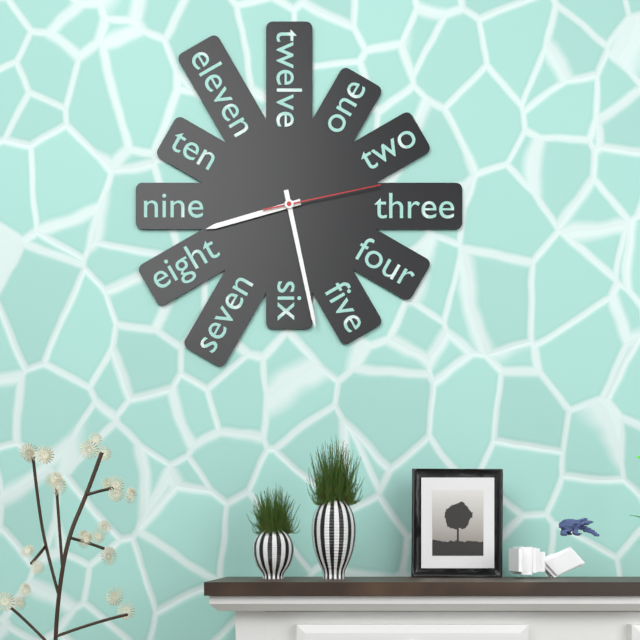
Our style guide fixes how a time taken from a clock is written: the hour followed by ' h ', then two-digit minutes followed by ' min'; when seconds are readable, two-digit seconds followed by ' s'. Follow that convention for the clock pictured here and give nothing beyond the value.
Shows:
8 h 28 min 13 s
